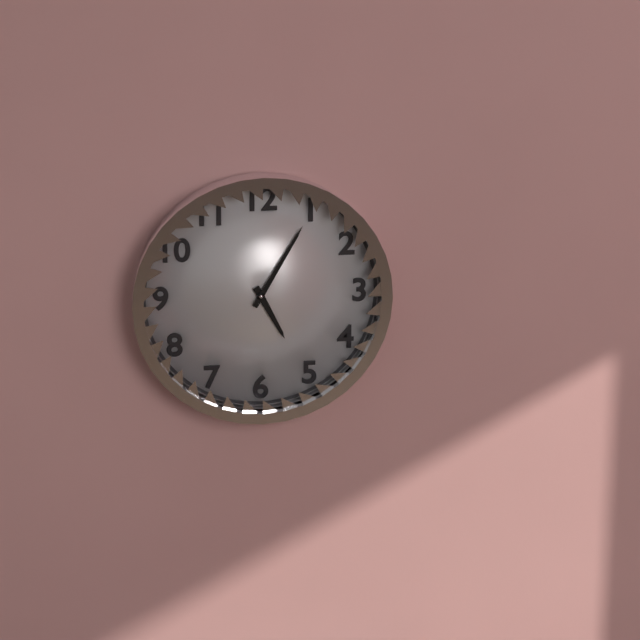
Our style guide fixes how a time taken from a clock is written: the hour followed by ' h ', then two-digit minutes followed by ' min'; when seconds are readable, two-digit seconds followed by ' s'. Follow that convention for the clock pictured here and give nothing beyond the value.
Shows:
5 h 05 min
